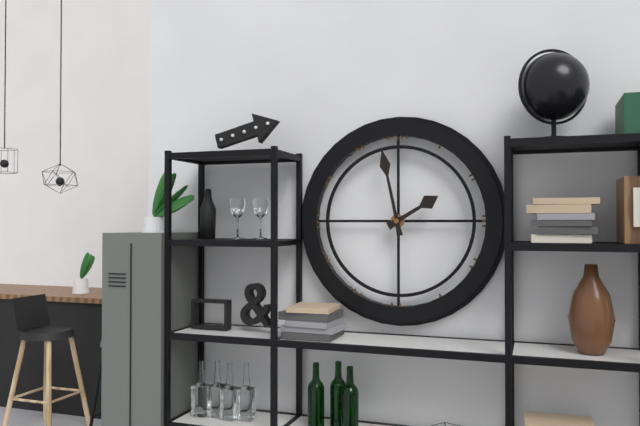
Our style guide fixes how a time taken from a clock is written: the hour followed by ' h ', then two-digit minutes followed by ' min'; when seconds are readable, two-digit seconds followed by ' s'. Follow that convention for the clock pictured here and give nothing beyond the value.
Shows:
1 h 58 min
